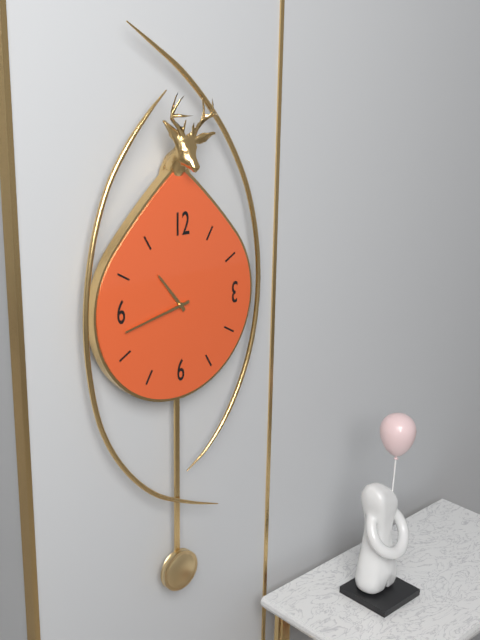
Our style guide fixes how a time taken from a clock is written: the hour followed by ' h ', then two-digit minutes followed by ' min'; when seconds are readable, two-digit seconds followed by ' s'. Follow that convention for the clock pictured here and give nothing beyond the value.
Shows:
10 h 43 min
